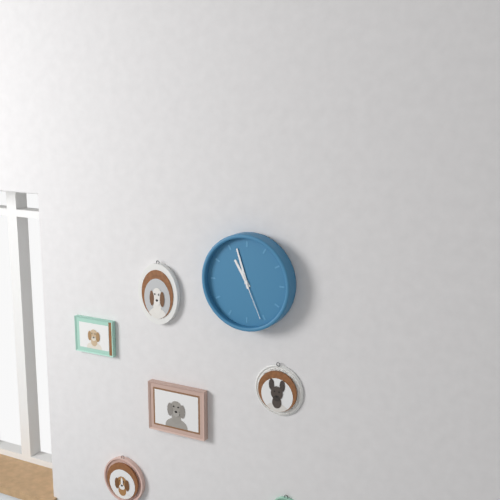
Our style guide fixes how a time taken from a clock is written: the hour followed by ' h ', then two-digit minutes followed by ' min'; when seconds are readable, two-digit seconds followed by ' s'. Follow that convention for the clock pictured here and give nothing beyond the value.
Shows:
10 h 57 min
